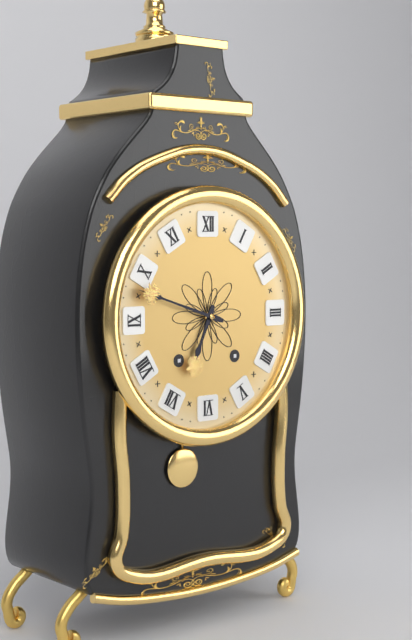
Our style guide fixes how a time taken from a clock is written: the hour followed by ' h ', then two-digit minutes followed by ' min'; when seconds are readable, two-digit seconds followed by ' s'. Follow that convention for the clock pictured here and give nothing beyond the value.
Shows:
6 h 48 min
